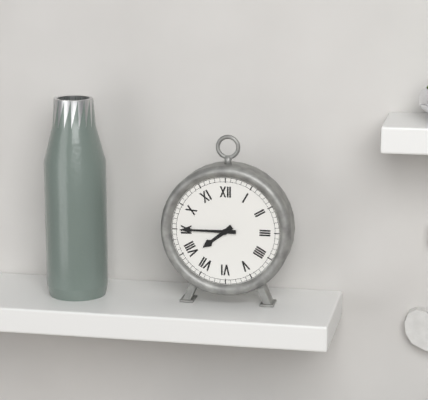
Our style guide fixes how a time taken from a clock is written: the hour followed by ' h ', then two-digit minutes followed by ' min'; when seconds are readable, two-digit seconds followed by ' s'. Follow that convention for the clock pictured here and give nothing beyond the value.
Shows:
7 h 45 min
